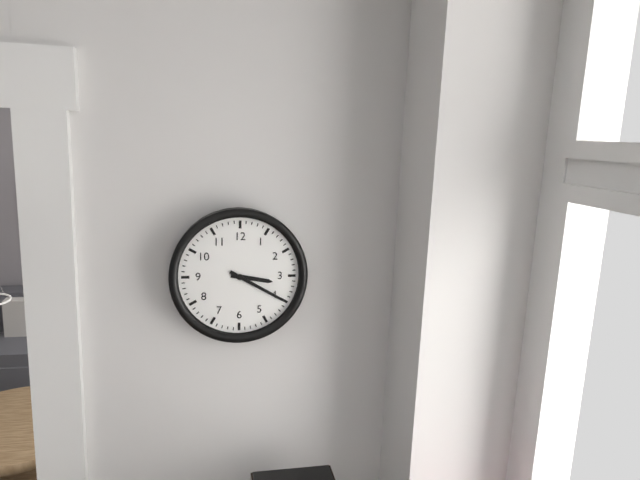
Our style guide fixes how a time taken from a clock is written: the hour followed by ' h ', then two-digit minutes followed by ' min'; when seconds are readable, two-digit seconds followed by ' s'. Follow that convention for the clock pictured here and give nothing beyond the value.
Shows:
3 h 20 min
